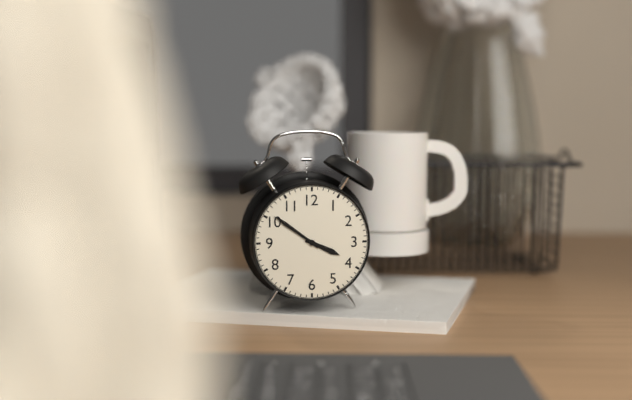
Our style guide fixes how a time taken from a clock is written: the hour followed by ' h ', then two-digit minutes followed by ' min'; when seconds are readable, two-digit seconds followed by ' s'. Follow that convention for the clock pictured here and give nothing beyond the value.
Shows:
3 h 51 min
